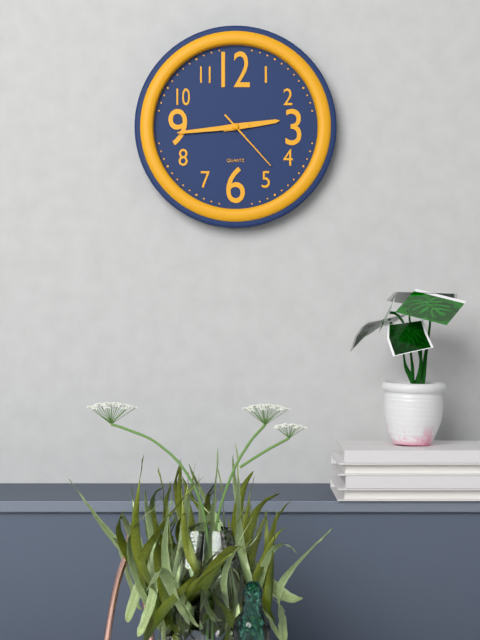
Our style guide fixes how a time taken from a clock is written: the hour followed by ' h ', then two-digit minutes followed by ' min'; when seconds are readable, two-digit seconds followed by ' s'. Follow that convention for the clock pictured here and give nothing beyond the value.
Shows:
2 h 44 min 23 s
